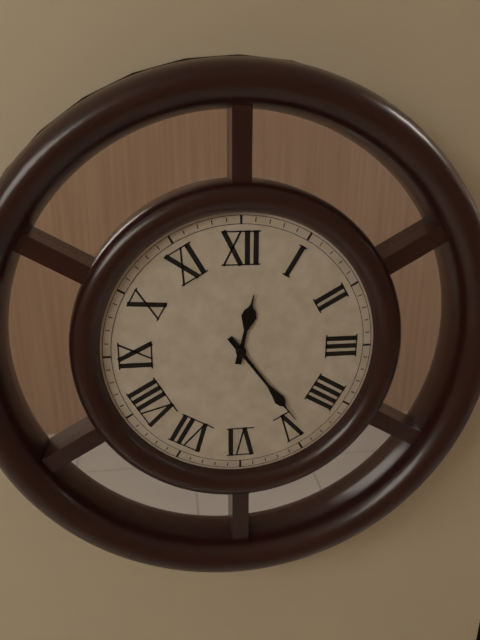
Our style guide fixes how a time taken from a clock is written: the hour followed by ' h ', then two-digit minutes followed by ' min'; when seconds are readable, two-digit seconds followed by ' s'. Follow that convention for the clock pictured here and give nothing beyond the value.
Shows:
12 h 24 min
